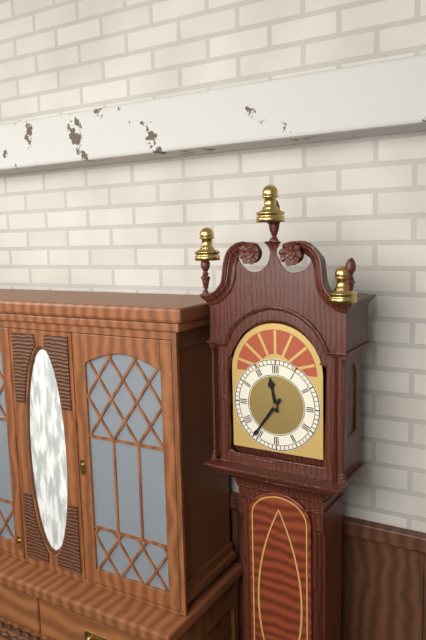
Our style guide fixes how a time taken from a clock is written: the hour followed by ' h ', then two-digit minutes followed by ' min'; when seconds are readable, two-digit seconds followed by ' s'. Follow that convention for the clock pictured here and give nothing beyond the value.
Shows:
11 h 36 min
